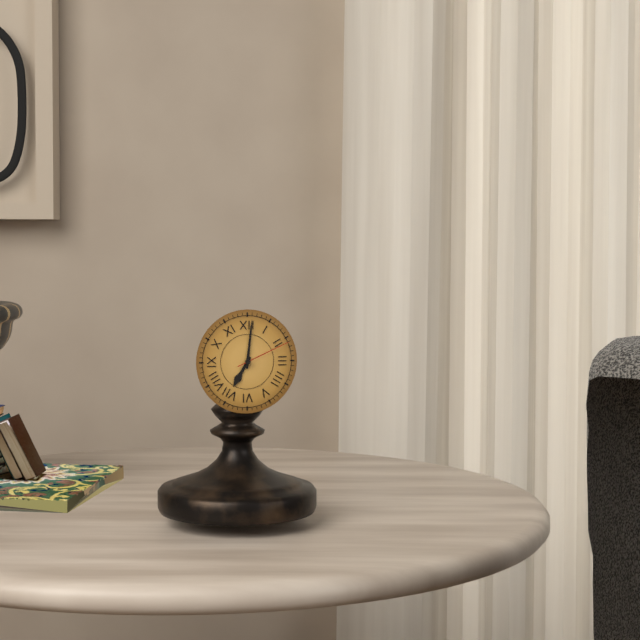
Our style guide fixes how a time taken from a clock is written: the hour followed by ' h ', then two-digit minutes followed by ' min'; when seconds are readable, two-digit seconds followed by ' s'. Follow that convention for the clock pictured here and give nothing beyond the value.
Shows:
7 h 01 min 11 s
